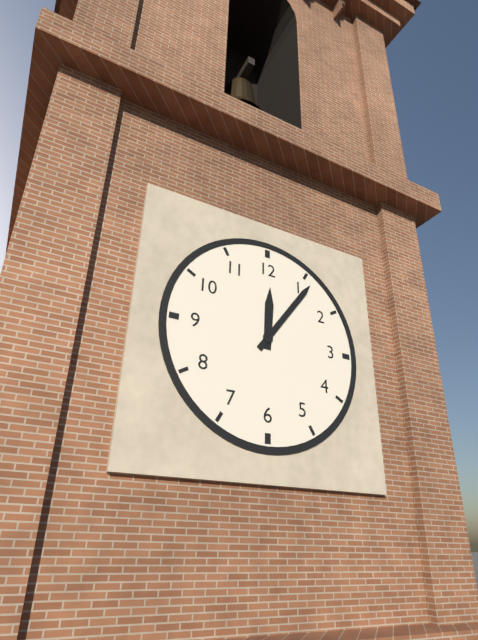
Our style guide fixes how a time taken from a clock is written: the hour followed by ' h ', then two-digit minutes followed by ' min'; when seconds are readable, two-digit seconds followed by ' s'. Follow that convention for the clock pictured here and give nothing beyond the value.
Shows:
12 h 06 min
